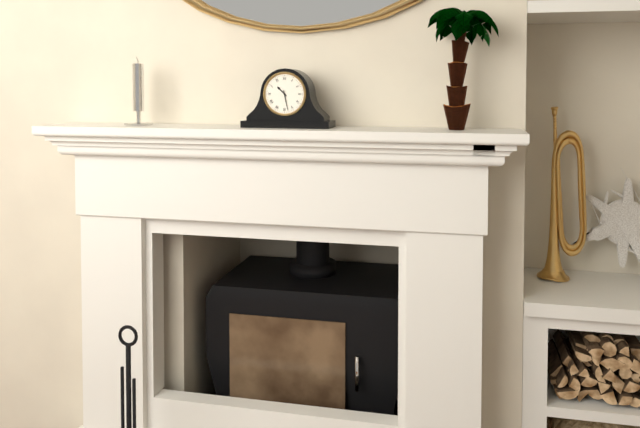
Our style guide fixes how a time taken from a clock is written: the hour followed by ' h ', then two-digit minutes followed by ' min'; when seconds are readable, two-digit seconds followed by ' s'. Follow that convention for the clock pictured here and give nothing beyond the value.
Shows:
10 h 28 min
